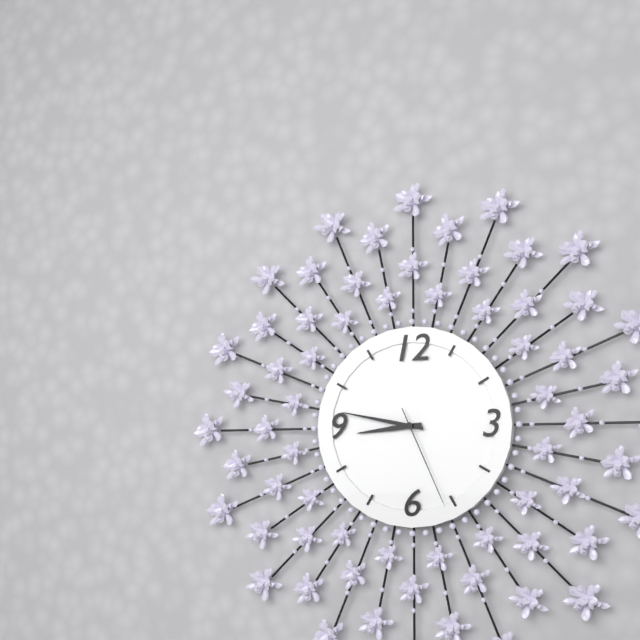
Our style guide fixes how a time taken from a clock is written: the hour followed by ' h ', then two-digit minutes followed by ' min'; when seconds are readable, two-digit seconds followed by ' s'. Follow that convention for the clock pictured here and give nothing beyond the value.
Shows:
8 h 47 min 26 s
